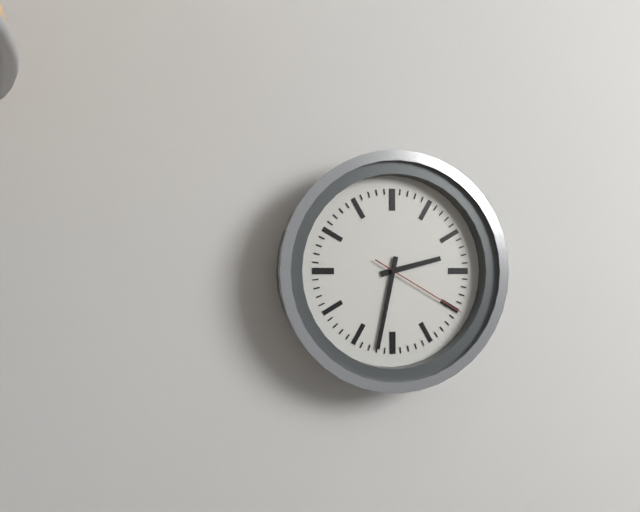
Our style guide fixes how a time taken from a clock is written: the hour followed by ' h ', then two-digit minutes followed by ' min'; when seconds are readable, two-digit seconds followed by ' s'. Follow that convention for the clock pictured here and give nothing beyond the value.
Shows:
2 h 32 min 20 s
